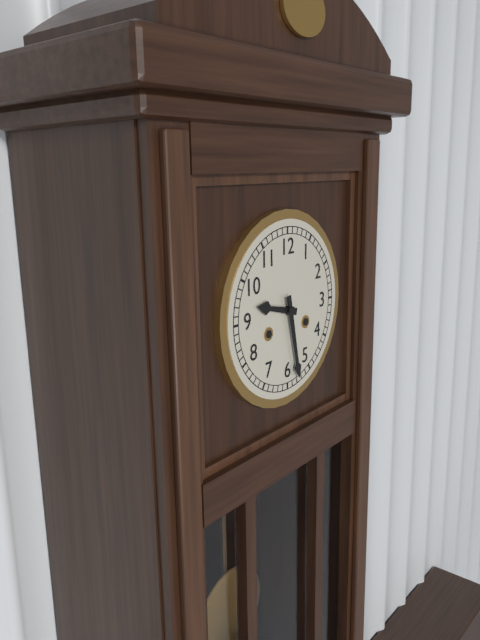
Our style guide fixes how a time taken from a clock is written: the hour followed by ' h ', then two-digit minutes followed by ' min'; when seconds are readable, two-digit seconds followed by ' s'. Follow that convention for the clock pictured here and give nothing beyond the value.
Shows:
9 h 28 min
